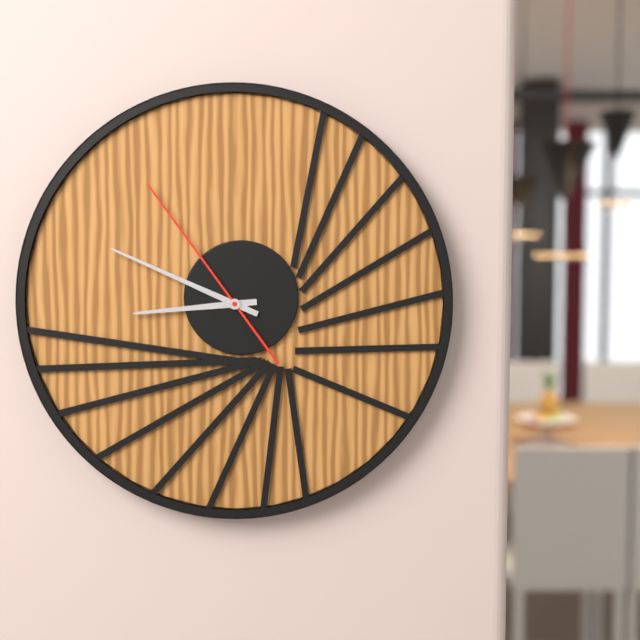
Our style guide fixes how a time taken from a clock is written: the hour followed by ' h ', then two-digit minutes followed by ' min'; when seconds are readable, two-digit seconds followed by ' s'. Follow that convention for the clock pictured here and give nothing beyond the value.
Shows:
8 h 49 min 54 s
